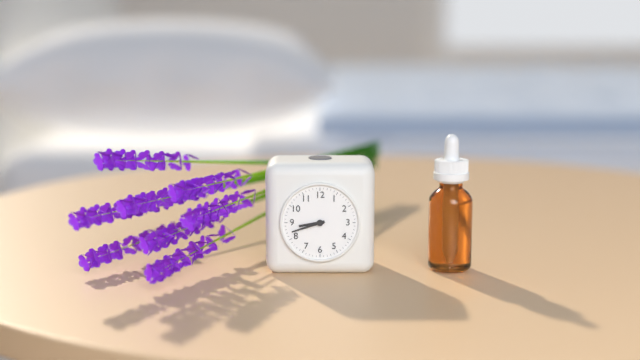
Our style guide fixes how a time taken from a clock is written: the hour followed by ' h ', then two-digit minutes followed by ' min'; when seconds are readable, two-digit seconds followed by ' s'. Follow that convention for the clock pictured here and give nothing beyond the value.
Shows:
8 h 42 min
